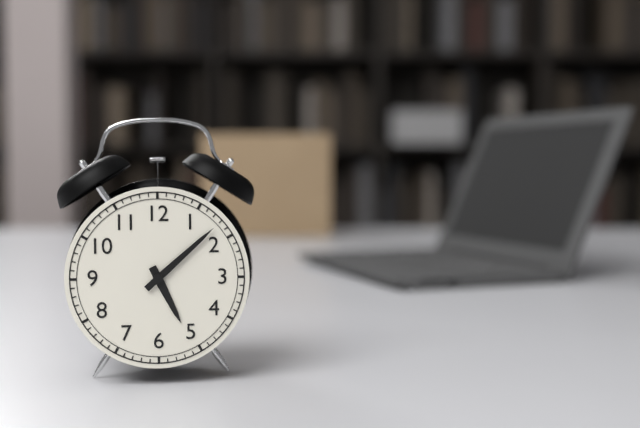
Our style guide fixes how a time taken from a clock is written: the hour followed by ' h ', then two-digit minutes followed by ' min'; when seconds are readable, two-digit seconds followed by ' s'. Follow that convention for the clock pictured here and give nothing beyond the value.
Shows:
5 h 08 min
